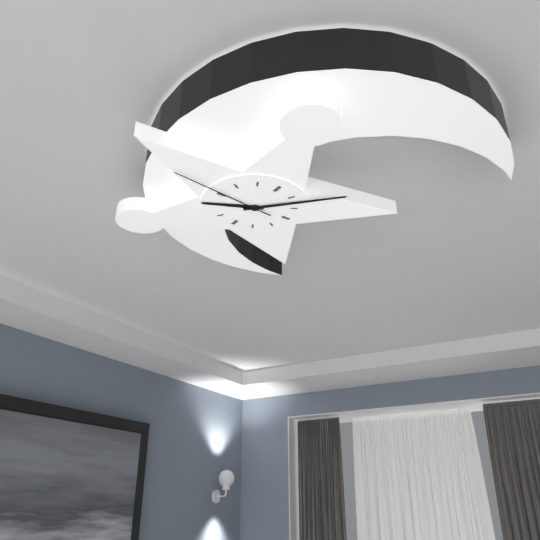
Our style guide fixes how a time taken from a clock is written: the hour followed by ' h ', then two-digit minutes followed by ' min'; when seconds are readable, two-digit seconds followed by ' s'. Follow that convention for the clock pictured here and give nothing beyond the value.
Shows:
8 h 07 min 46 s
